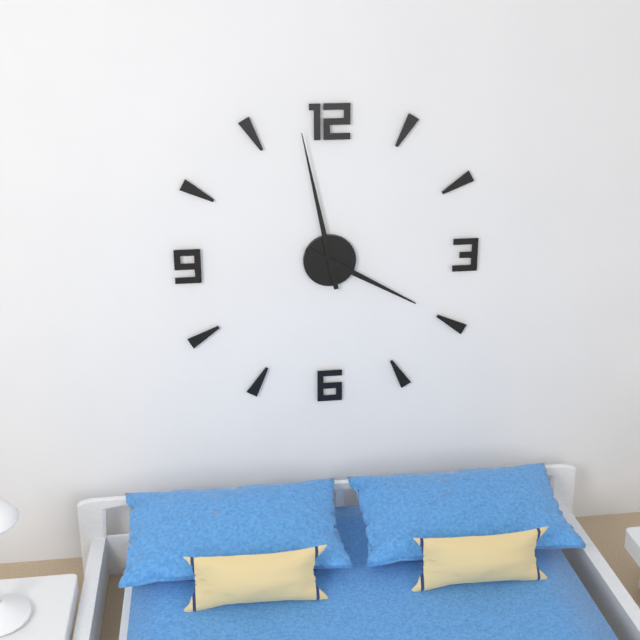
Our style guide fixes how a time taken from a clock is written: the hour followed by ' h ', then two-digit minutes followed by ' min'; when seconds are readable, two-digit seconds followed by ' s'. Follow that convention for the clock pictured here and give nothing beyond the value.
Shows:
3 h 58 min
